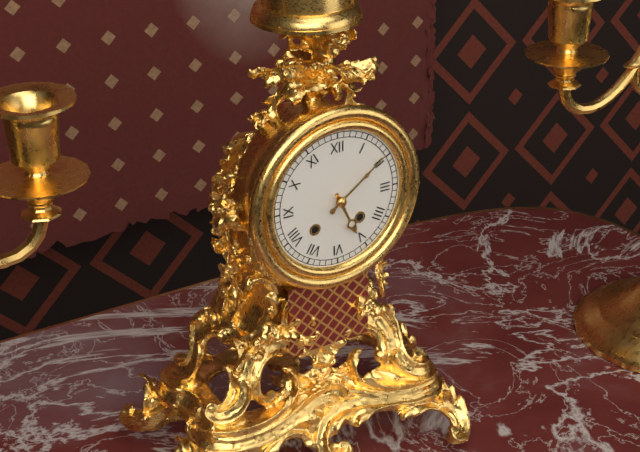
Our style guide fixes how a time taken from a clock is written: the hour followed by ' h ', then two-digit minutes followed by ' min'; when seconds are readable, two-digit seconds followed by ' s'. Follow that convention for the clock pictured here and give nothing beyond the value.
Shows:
5 h 09 min
